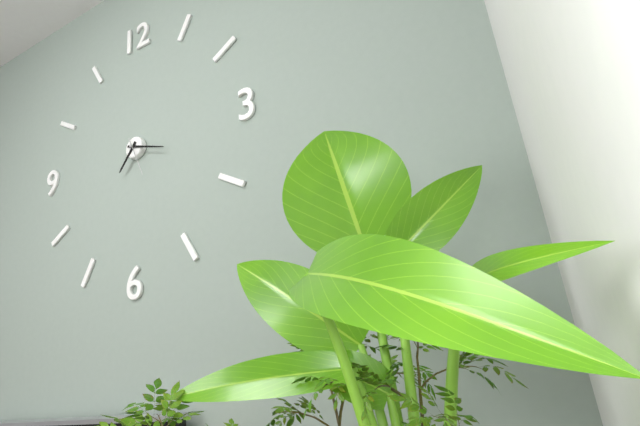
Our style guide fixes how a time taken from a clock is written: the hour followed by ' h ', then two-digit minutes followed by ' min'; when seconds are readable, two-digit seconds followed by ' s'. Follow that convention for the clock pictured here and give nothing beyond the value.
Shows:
7 h 18 min
